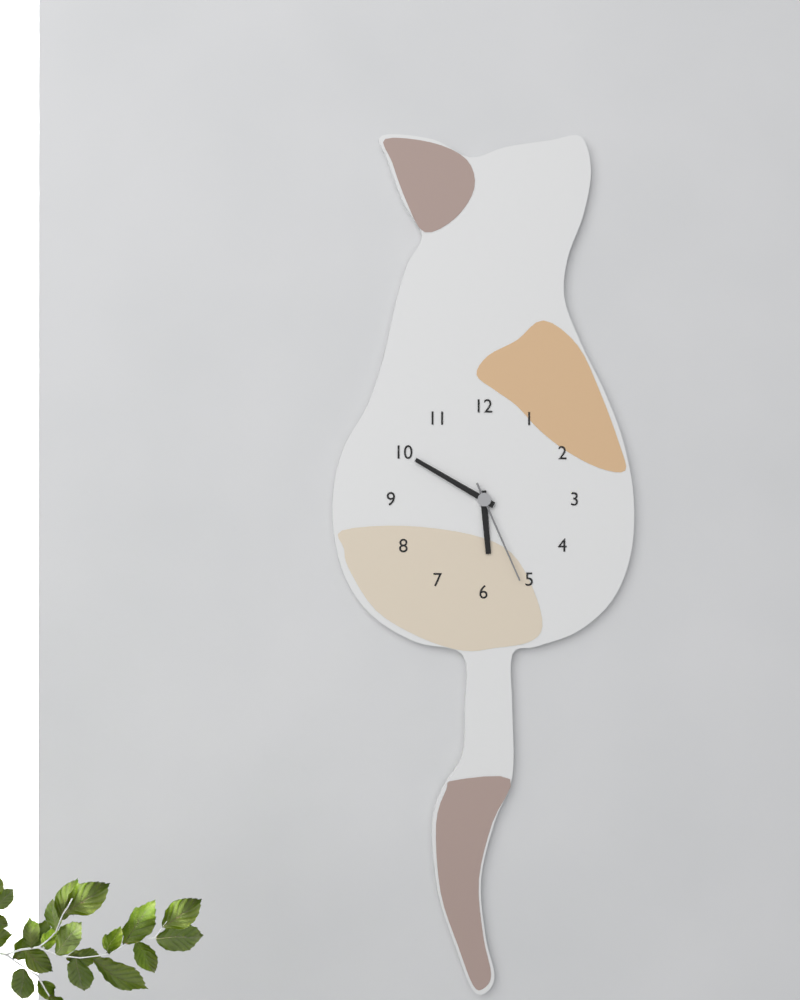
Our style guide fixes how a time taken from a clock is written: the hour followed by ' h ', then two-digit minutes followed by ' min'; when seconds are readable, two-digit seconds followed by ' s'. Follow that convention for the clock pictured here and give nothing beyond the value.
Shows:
5 h 50 min 26 s
